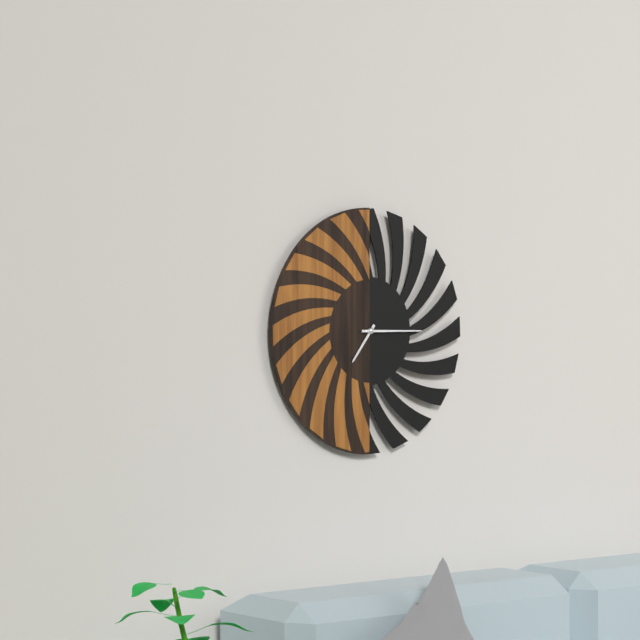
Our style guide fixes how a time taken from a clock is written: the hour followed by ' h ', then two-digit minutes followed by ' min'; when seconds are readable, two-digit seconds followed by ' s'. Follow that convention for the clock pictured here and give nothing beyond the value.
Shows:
7 h 15 min
